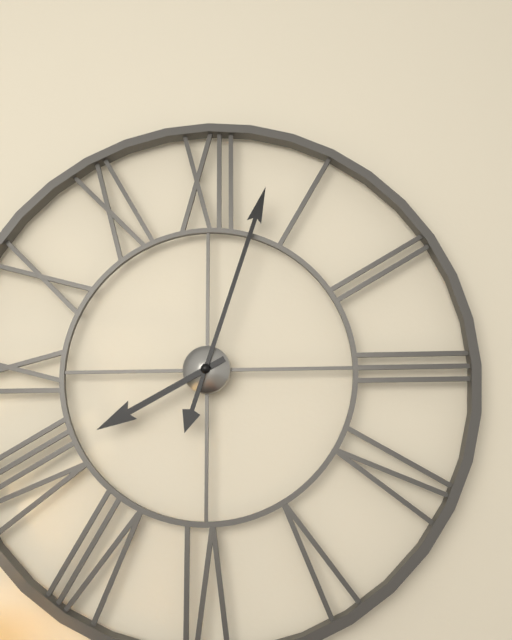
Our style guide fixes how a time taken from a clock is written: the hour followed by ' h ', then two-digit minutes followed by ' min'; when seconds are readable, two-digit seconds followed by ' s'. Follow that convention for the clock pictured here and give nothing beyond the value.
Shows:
8 h 03 min
